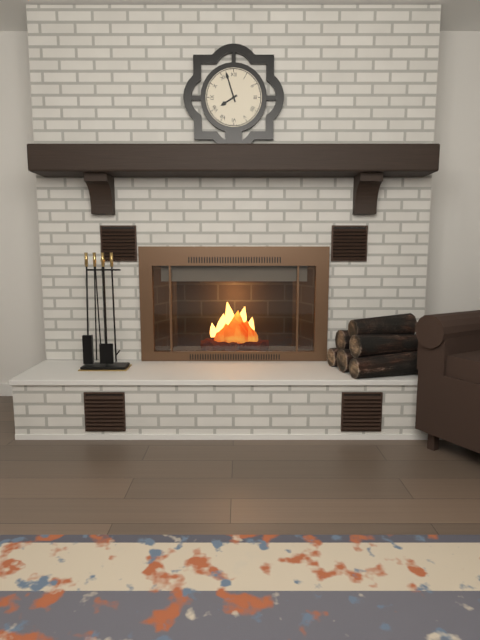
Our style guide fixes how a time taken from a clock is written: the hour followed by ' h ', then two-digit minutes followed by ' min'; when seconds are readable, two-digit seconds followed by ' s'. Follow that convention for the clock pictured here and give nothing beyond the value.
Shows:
7 h 57 min
